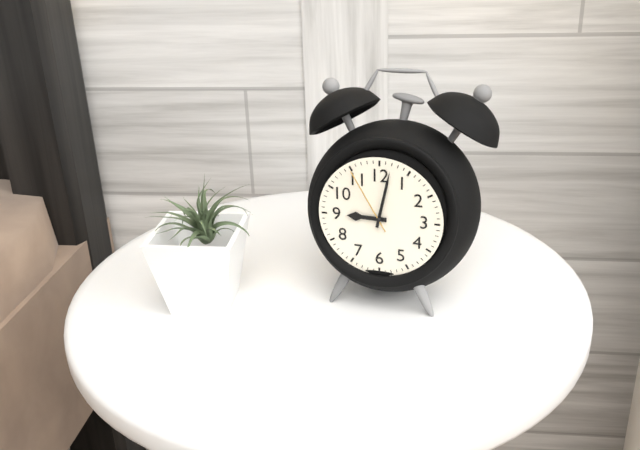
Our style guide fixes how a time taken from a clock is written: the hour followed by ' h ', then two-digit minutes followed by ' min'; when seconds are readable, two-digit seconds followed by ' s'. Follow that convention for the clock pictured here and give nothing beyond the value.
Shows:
9 h 02 min 55 s
